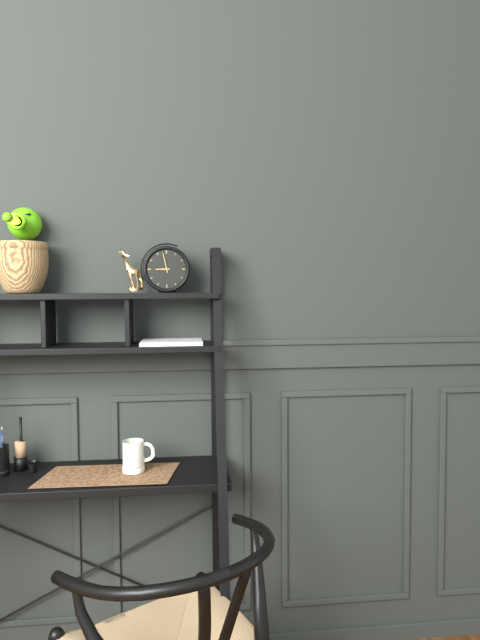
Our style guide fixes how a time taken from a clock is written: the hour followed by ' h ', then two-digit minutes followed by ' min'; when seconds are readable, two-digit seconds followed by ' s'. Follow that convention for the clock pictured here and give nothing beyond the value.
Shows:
8 h 58 min
